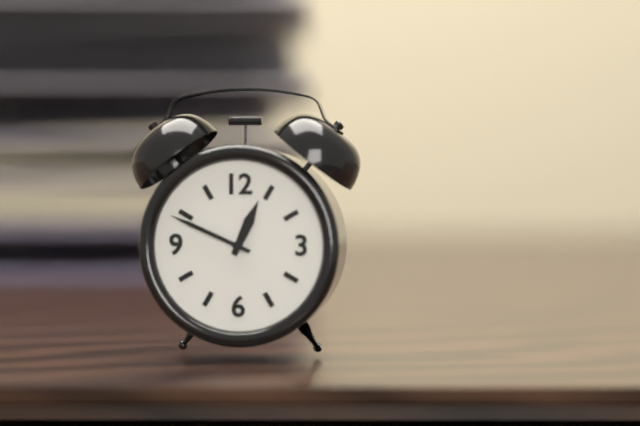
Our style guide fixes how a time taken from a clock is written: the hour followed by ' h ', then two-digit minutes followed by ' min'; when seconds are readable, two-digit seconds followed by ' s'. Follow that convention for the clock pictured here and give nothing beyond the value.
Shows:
12 h 49 min
